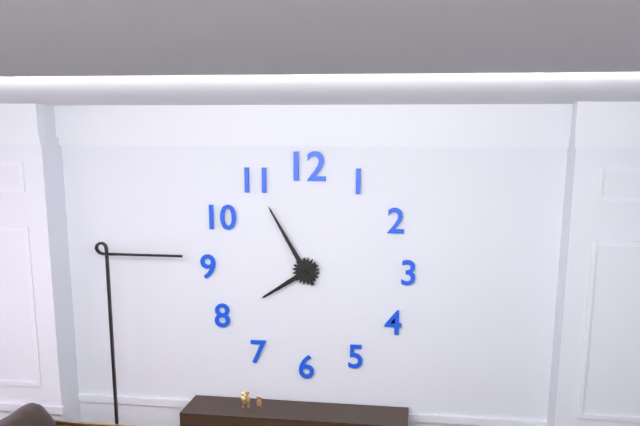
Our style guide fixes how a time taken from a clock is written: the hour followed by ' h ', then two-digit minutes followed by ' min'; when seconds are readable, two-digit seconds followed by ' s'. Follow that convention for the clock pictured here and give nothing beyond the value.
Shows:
7 h 55 min
